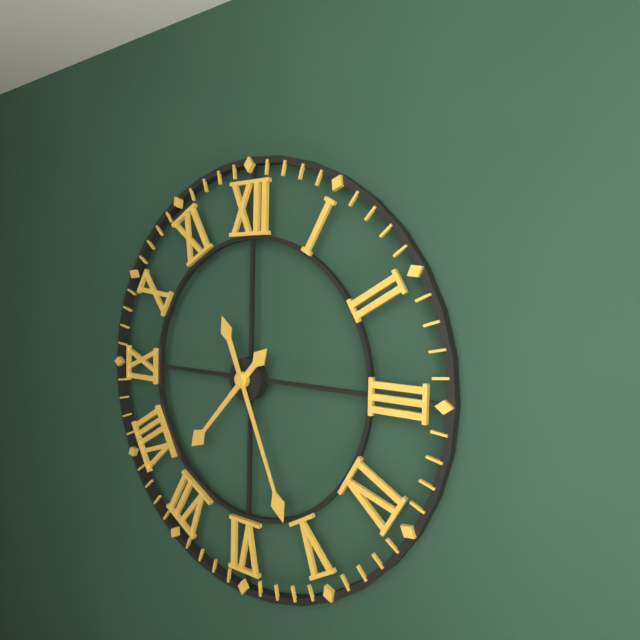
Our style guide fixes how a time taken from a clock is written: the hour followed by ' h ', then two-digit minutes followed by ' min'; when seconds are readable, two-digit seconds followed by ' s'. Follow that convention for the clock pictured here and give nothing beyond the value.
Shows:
7 h 26 min
